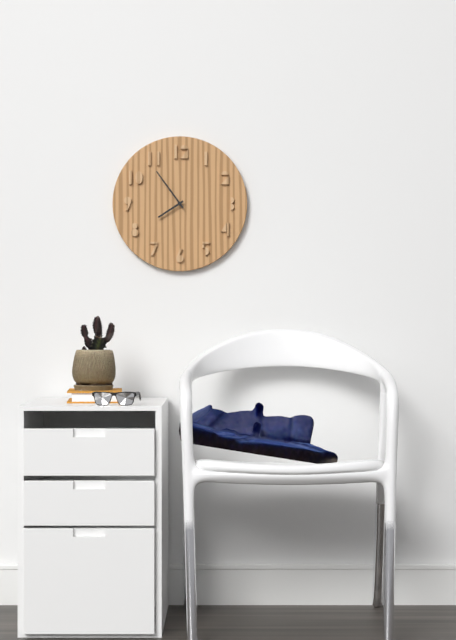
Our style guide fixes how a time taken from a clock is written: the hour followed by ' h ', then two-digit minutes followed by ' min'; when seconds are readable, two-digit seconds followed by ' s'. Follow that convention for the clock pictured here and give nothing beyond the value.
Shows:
7 h 54 min
